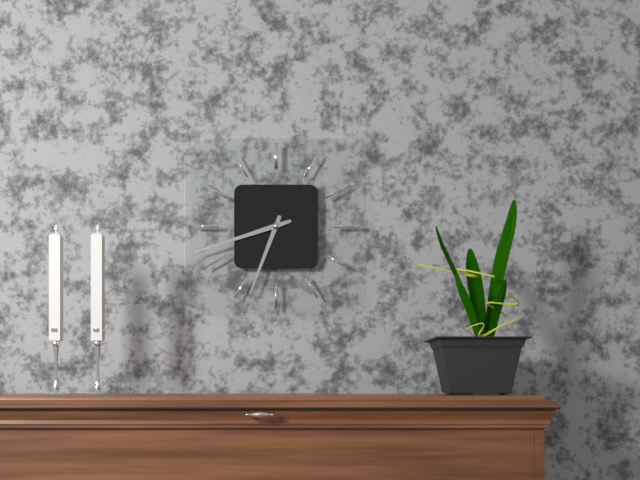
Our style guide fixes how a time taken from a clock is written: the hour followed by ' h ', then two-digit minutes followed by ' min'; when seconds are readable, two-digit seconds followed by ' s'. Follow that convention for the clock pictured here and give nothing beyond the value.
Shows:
6 h 42 min
